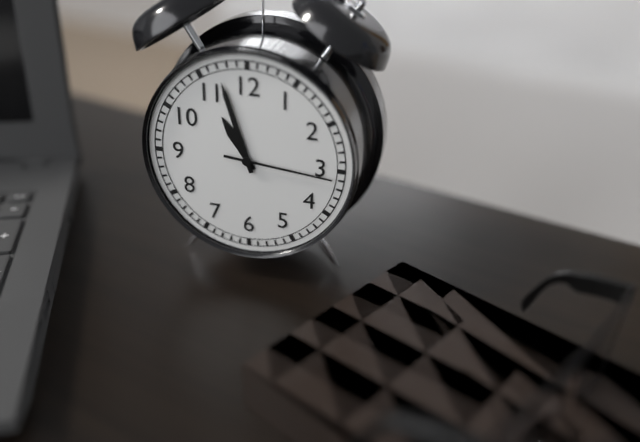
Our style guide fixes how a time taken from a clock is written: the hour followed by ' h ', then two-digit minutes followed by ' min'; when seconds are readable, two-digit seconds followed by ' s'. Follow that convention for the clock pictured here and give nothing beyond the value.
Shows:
10 h 57 min 16 s
